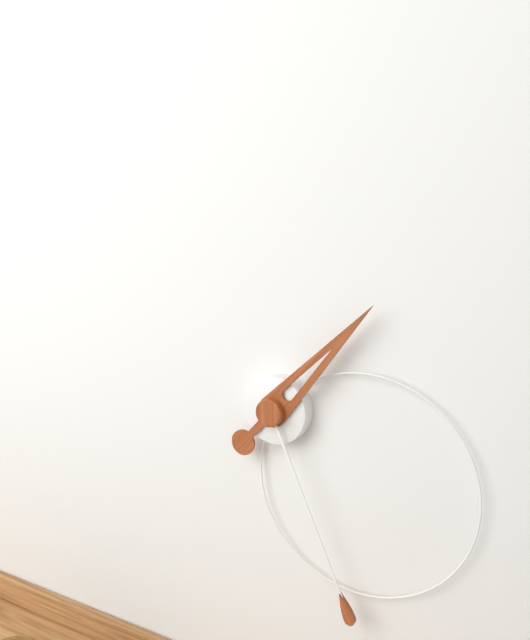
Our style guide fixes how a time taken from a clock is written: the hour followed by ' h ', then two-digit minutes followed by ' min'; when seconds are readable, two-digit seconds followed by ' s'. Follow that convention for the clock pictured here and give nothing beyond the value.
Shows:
1 h 26 min
